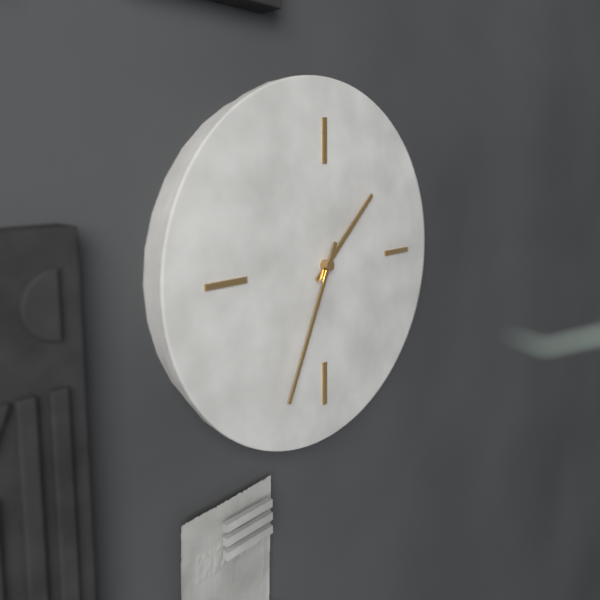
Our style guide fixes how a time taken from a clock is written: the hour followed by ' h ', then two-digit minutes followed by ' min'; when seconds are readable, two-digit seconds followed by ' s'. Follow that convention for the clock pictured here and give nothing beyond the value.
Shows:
1 h 34 min
